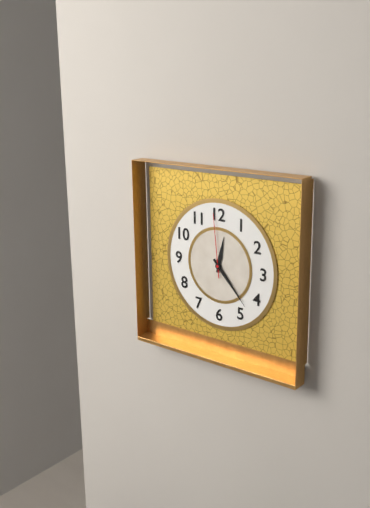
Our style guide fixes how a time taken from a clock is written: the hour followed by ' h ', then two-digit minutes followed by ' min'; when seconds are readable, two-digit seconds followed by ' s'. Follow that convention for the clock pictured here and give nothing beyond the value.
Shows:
12 h 23 min 59 s
